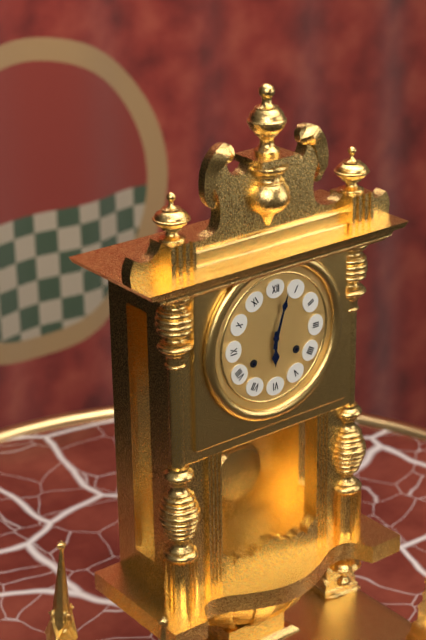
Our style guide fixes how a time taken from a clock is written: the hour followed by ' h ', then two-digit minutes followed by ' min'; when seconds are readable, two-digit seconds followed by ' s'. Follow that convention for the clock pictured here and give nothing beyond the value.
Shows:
6 h 03 min
